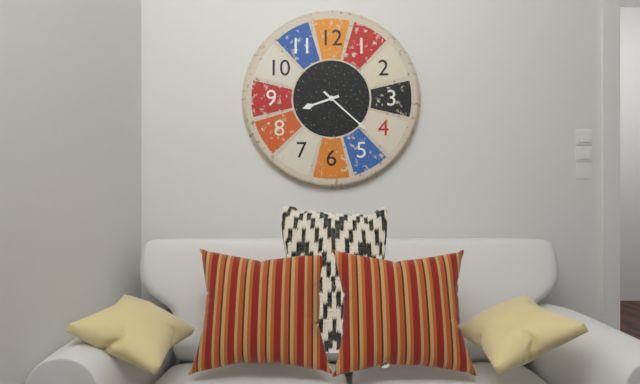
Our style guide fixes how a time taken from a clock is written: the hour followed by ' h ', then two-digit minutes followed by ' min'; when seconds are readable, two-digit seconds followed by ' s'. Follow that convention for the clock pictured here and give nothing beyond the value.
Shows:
8 h 22 min
